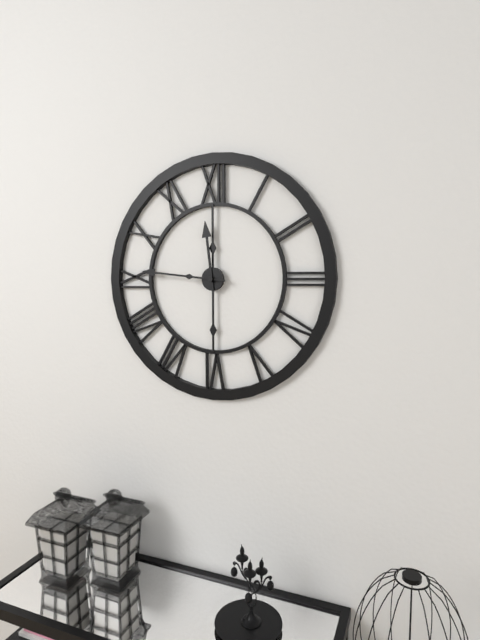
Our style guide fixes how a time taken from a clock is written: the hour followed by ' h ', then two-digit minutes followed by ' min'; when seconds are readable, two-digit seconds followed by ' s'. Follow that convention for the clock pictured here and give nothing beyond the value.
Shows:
11 h 46 min
